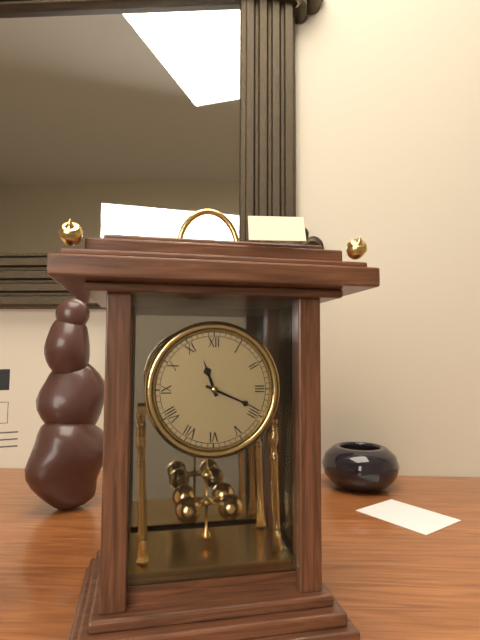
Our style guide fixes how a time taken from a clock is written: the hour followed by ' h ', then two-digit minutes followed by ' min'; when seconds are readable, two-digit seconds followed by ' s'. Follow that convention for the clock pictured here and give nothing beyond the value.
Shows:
11 h 19 min
